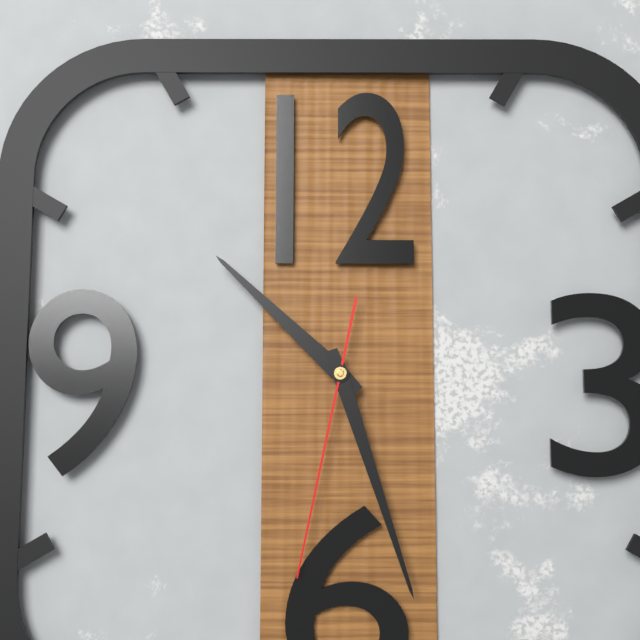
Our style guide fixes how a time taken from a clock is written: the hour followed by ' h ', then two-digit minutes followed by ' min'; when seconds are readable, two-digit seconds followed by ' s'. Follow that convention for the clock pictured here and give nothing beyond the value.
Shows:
10 h 27 min 32 s
